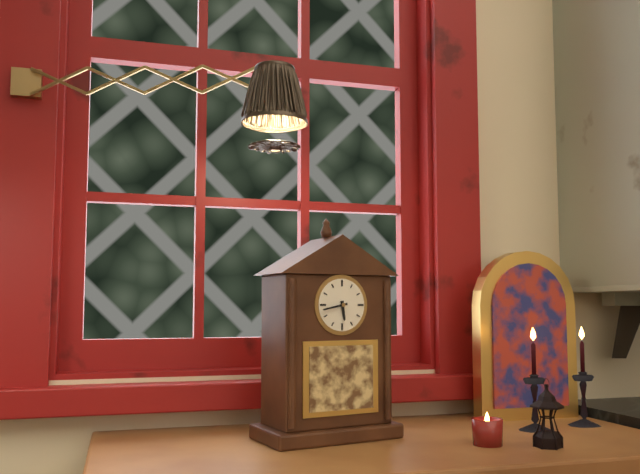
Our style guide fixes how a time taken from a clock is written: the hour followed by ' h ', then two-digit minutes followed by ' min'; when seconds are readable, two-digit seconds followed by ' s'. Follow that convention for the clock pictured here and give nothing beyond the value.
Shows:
5 h 43 min
